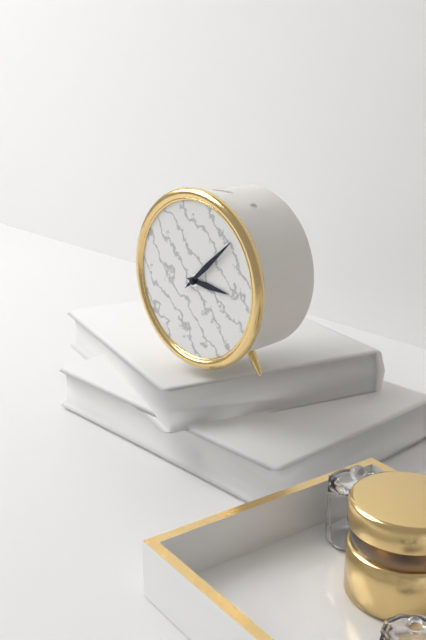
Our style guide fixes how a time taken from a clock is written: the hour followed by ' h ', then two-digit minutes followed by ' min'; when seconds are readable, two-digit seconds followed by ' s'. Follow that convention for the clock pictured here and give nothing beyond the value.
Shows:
3 h 08 min
